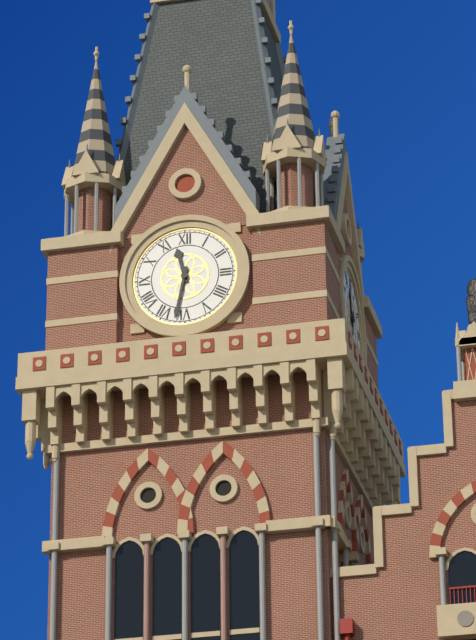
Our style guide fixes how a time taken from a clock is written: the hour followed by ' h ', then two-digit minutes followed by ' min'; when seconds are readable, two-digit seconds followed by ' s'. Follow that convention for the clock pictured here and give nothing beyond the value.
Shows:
11 h 32 min
